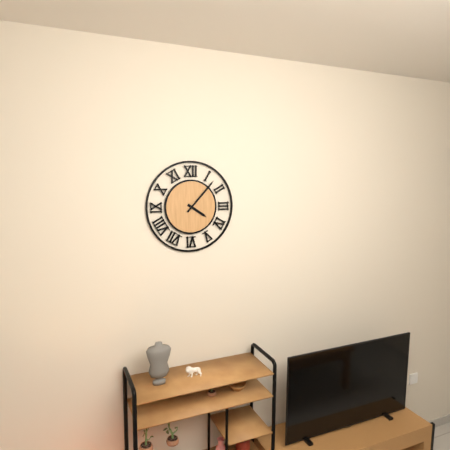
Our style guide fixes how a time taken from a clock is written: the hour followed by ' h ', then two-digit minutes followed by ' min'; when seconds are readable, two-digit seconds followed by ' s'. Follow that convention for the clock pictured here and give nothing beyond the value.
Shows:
4 h 07 min
